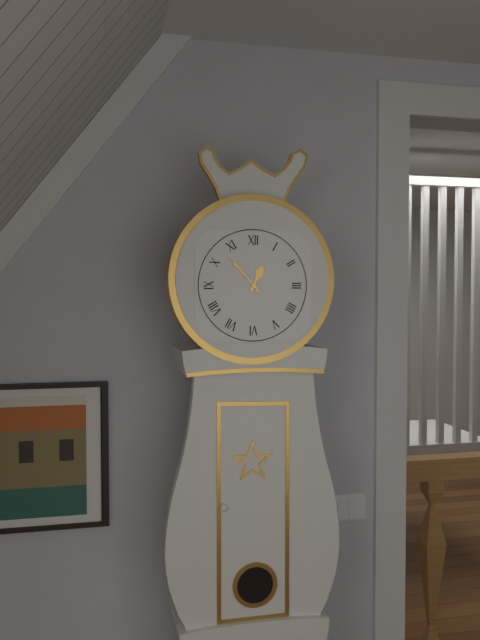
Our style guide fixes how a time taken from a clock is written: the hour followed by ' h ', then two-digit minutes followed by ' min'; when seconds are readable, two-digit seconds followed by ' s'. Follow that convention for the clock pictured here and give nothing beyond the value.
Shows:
12 h 53 min
